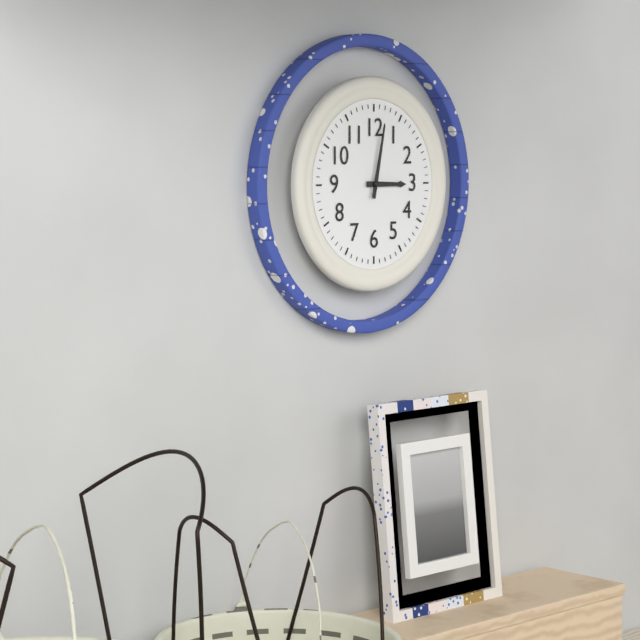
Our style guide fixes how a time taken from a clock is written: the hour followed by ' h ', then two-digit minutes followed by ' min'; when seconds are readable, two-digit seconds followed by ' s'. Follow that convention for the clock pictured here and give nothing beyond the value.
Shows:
3 h 02 min
